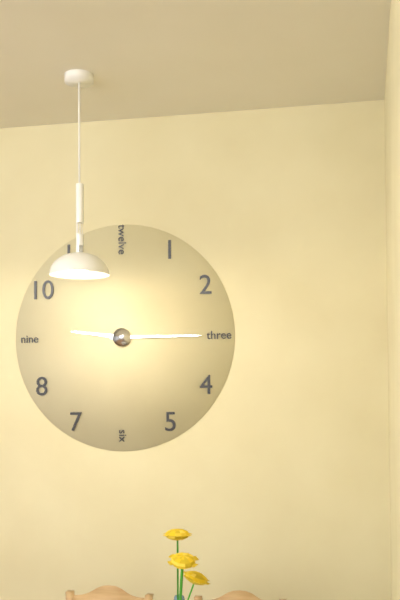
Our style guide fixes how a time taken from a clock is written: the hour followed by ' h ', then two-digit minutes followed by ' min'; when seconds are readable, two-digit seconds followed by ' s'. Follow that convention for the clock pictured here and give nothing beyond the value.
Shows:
9 h 15 min
